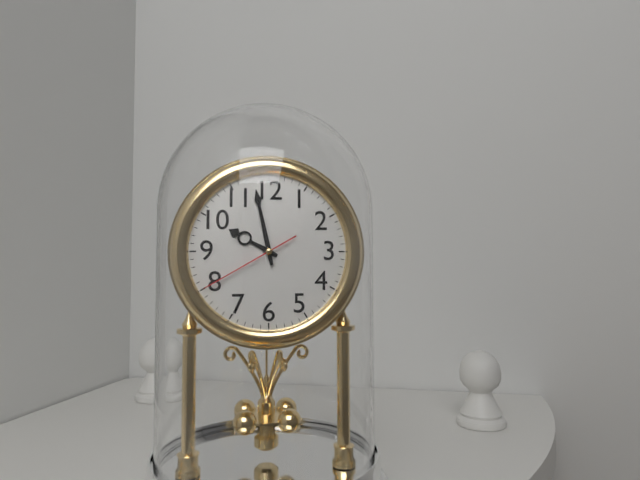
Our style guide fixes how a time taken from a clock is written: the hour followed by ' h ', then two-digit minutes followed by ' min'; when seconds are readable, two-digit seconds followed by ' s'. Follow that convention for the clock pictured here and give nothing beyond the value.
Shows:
9 h 58 min 40 s
